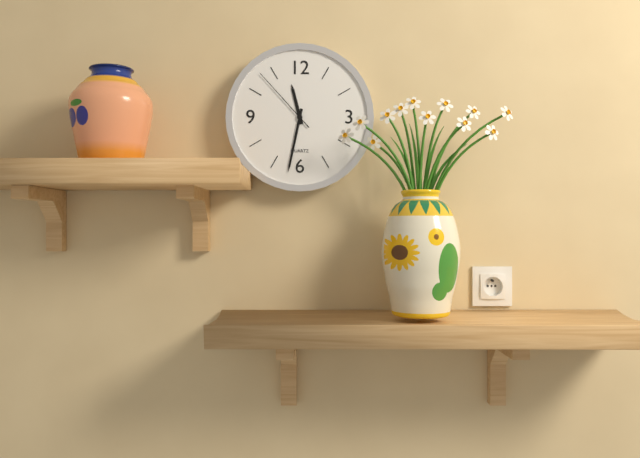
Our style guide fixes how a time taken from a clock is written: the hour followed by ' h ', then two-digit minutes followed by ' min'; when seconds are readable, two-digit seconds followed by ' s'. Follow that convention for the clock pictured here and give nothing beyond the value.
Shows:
11 h 32 min 53 s
